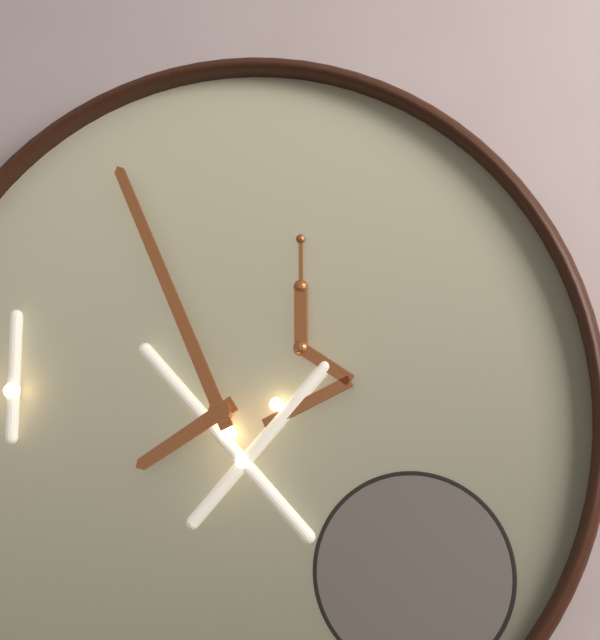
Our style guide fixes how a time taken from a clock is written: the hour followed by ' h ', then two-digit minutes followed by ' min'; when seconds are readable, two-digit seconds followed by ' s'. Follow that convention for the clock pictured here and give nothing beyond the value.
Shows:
7 h 56 min
